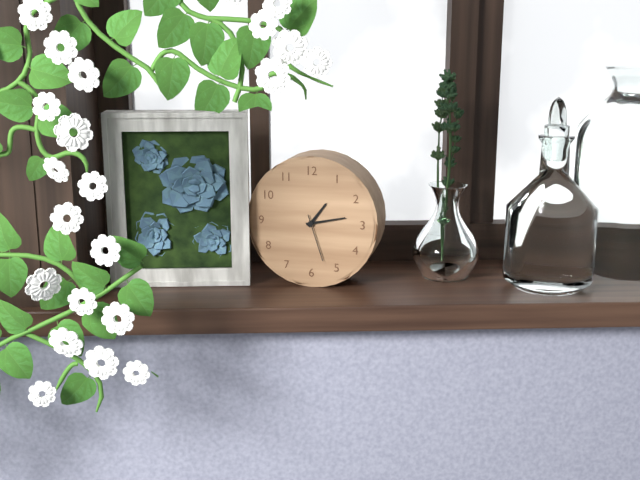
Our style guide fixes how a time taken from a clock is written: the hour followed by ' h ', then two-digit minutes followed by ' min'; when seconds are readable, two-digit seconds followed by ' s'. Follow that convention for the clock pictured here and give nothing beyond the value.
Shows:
1 h 13 min 27 s
